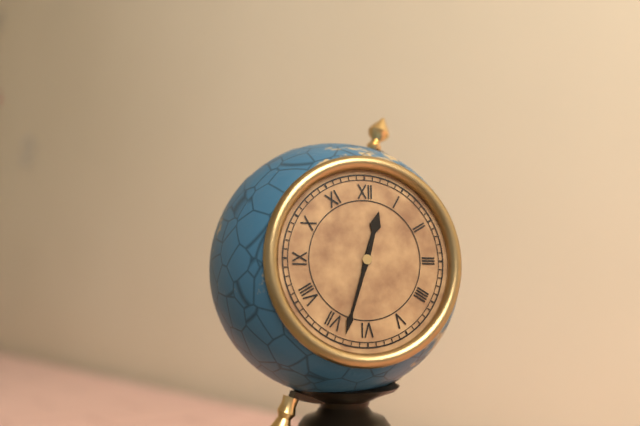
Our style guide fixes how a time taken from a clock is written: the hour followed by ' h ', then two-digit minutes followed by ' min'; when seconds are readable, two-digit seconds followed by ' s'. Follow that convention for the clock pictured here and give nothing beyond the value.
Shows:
12 h 33 min
